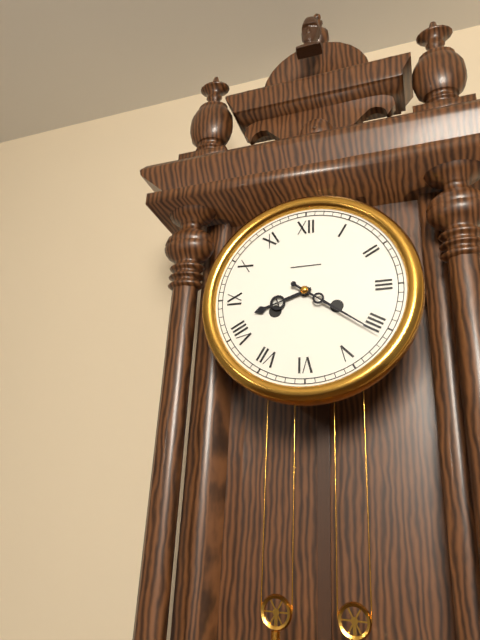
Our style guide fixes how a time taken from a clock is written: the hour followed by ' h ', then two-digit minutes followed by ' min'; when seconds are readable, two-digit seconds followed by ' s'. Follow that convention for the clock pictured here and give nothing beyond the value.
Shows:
8 h 21 min
